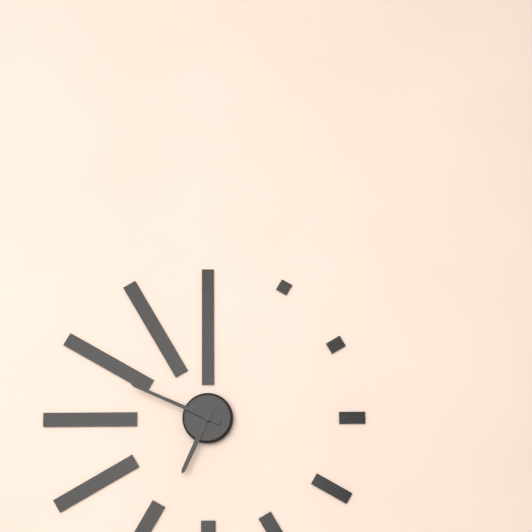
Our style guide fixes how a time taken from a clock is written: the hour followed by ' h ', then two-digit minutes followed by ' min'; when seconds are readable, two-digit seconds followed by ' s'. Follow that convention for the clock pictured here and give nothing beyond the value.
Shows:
6 h 49 min
